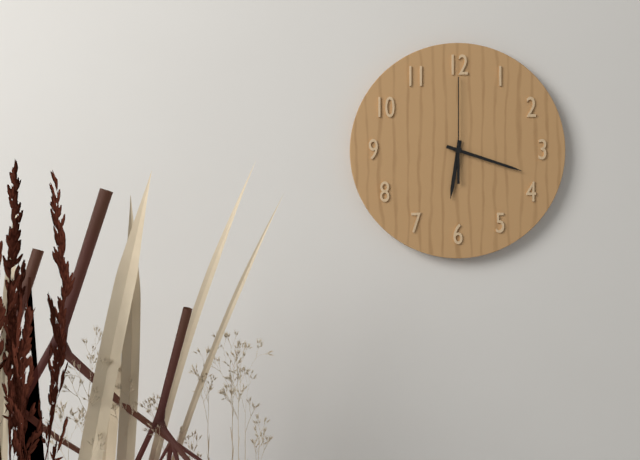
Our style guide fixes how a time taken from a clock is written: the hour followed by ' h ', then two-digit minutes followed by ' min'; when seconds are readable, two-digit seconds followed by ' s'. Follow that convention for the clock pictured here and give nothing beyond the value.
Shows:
6 h 18 min 00 s
